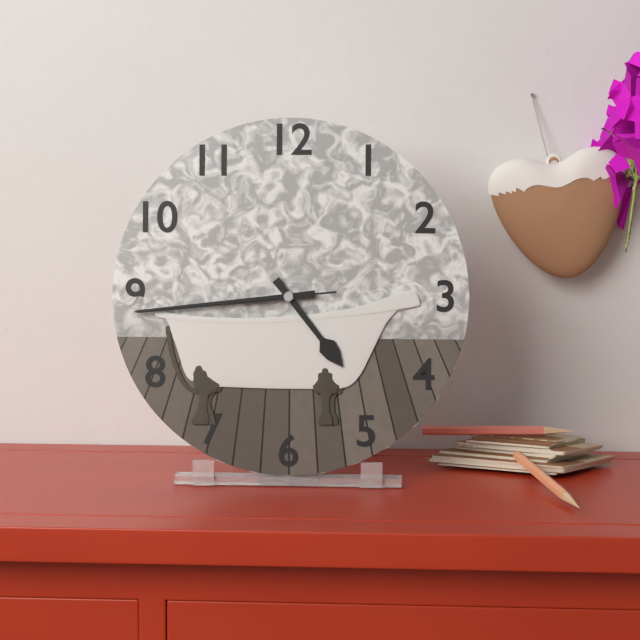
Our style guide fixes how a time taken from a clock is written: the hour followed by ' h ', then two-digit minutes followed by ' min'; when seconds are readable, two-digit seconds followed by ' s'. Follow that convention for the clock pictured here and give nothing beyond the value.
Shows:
4 h 44 min 44 s
